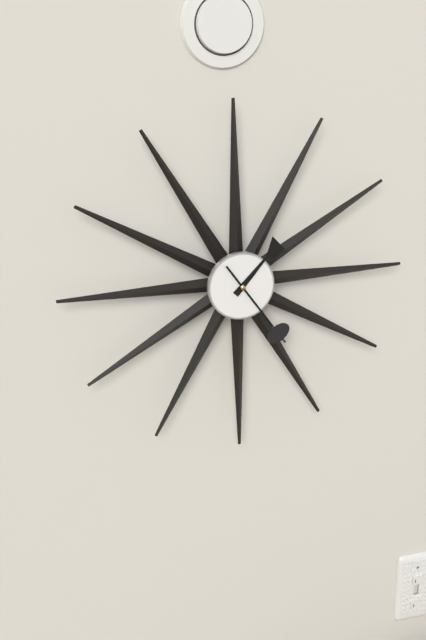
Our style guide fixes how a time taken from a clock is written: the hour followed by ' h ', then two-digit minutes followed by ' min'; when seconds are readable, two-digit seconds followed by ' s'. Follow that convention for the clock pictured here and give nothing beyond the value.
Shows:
1 h 24 min
